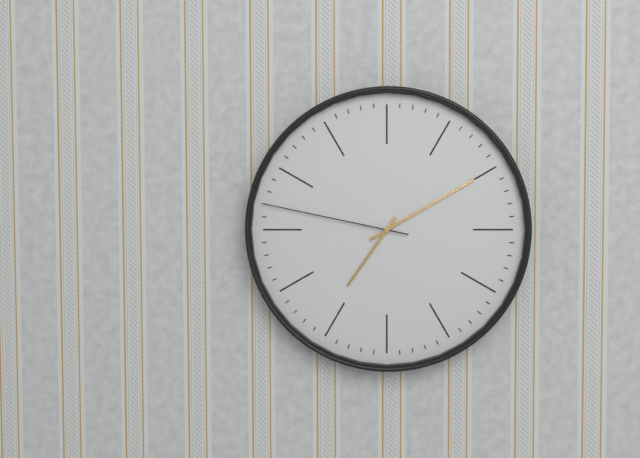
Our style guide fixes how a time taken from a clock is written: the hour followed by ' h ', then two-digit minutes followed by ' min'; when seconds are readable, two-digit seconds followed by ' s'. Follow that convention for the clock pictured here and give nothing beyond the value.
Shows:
7 h 10 min 47 s
